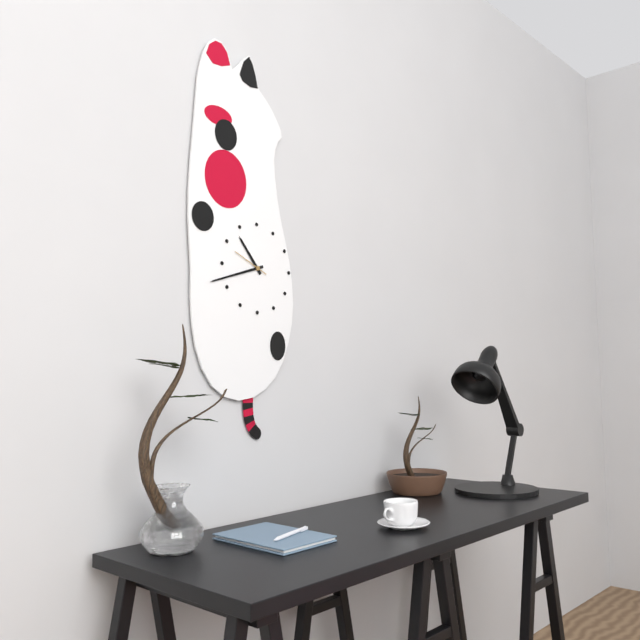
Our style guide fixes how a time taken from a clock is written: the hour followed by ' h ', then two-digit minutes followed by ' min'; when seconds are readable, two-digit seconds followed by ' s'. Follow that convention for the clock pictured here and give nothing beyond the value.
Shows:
10 h 42 min
